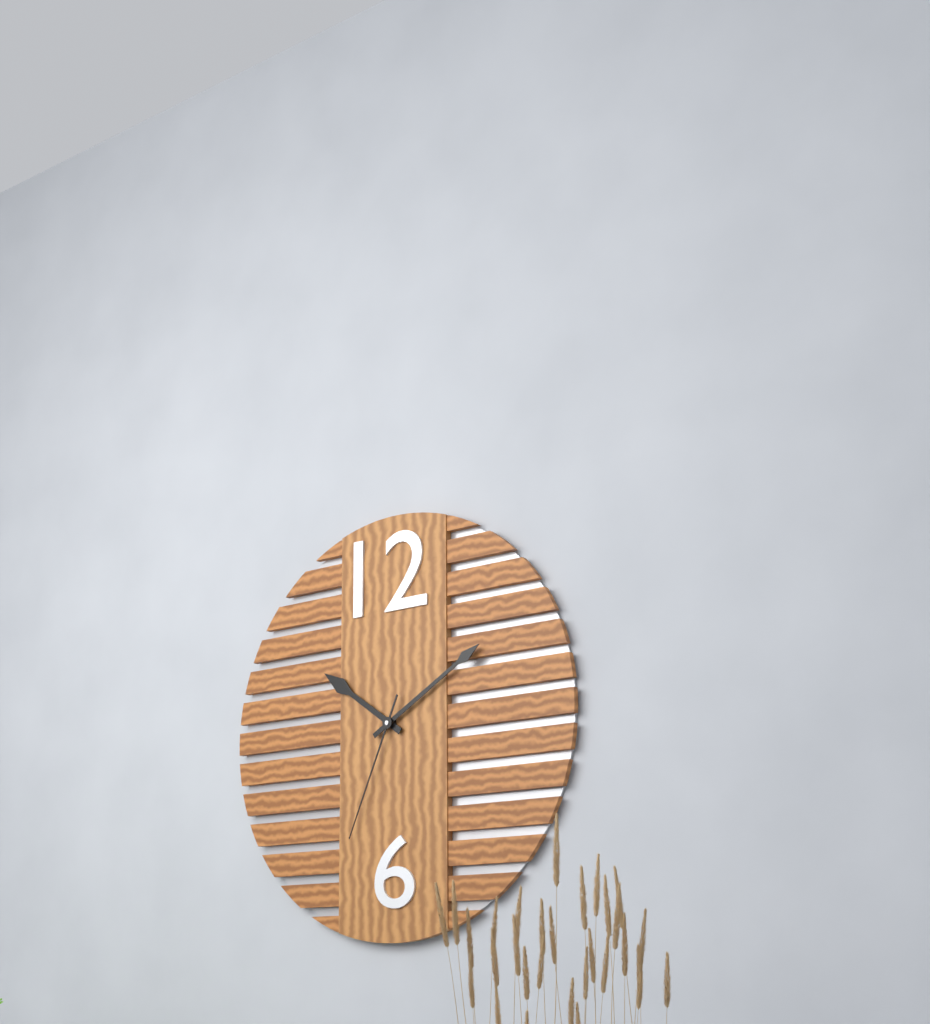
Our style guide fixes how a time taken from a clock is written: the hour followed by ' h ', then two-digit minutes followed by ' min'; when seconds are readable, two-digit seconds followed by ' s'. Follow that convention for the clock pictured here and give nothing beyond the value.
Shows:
10 h 10 min 34 s
